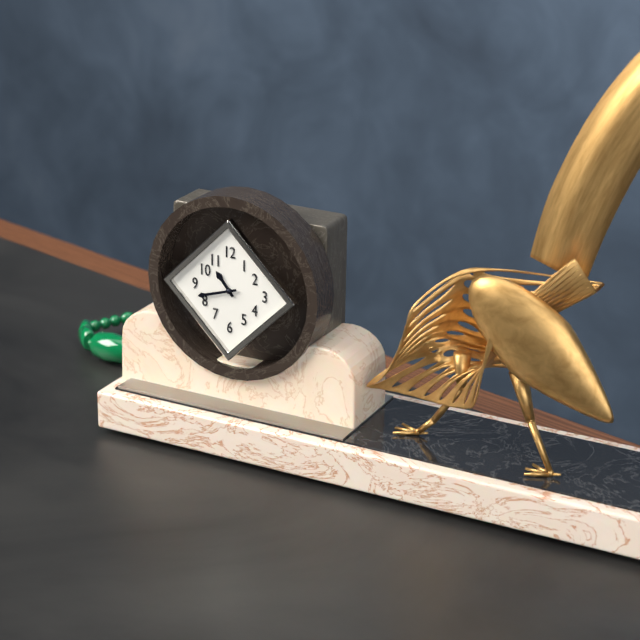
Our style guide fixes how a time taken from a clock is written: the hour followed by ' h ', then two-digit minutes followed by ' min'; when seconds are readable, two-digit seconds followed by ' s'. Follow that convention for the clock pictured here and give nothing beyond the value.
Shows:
10 h 42 min
